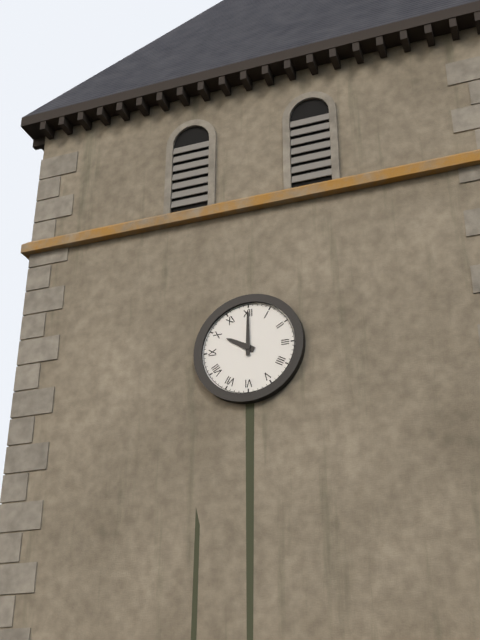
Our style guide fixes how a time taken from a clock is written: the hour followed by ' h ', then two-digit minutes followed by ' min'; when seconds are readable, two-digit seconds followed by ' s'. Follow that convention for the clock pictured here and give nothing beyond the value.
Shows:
10 h 00 min
